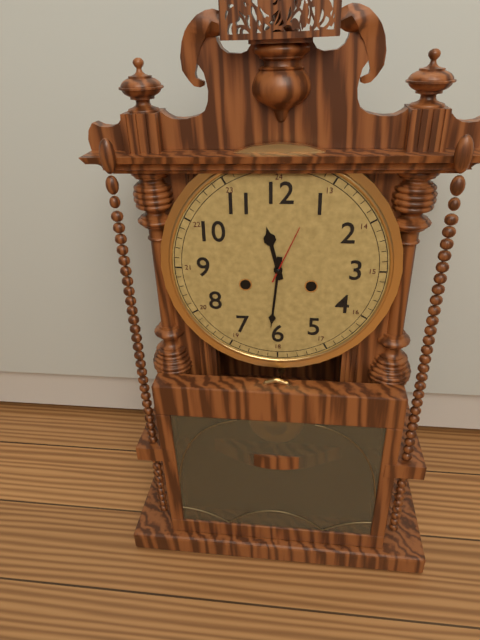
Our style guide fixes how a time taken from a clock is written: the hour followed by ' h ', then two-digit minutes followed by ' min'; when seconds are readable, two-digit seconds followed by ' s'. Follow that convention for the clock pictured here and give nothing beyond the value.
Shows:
11 h 31 min 04 s
